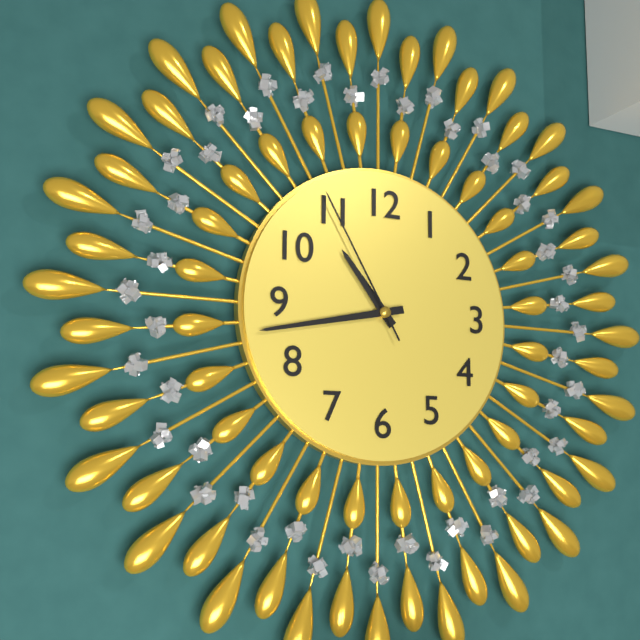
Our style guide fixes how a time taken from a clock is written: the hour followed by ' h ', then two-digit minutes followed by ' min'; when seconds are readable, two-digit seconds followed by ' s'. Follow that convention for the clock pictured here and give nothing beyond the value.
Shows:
10 h 43 min 55 s
